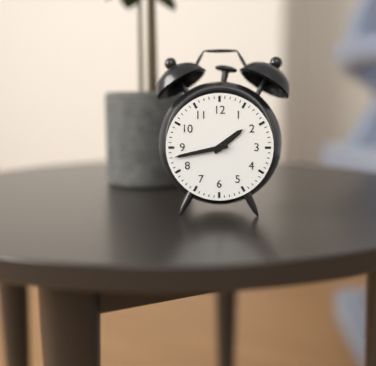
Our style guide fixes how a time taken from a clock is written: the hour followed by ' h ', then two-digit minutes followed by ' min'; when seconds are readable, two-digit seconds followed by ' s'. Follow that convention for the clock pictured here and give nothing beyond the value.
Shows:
1 h 43 min
